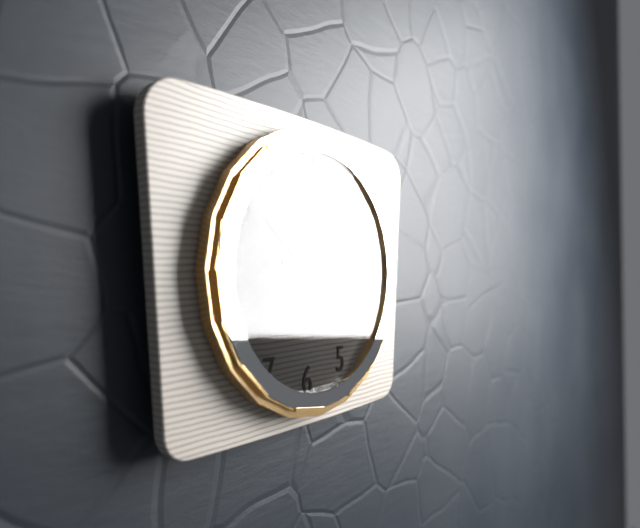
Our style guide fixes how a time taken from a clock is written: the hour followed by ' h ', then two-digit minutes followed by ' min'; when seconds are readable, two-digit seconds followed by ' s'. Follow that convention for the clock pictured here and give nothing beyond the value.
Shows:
10 h 17 min
